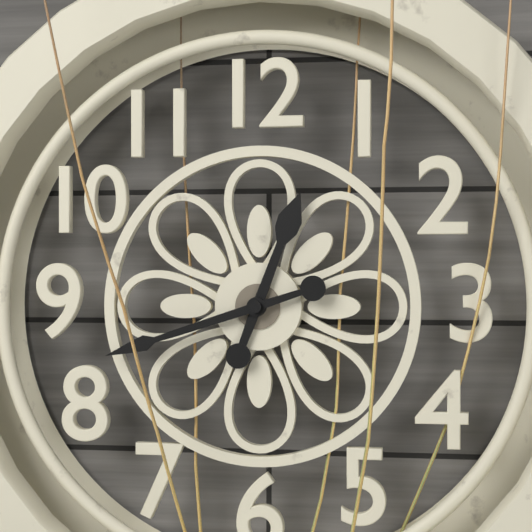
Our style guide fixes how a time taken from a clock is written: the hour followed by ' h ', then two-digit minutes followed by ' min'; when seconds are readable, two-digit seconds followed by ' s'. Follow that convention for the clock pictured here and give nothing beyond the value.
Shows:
12 h 42 min
